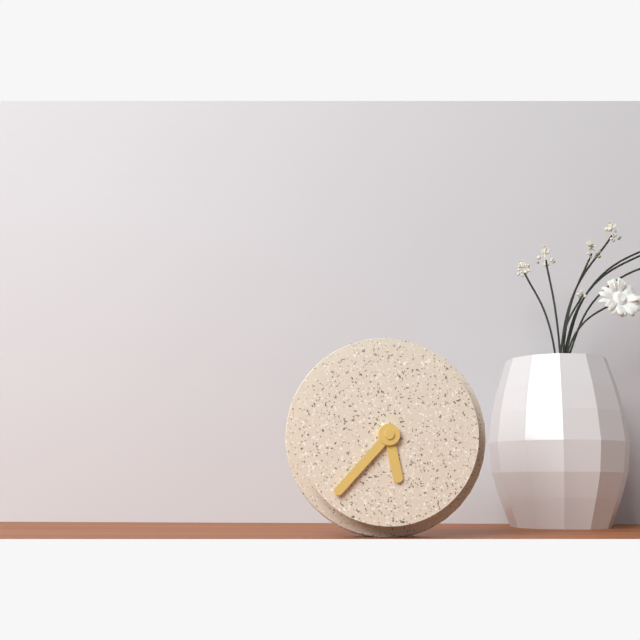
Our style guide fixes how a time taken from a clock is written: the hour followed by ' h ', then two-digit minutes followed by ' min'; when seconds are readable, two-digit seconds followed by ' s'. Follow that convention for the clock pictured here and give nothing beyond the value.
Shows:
5 h 37 min
